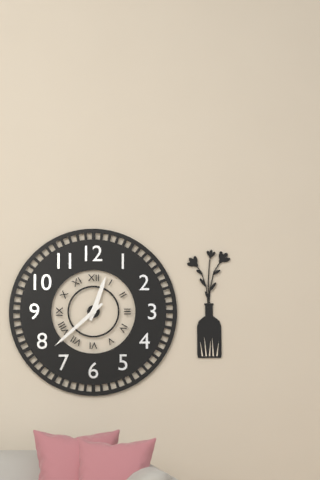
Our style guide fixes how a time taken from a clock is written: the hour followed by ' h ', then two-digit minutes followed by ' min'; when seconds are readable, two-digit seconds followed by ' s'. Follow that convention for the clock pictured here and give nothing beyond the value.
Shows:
12 h 38 min
